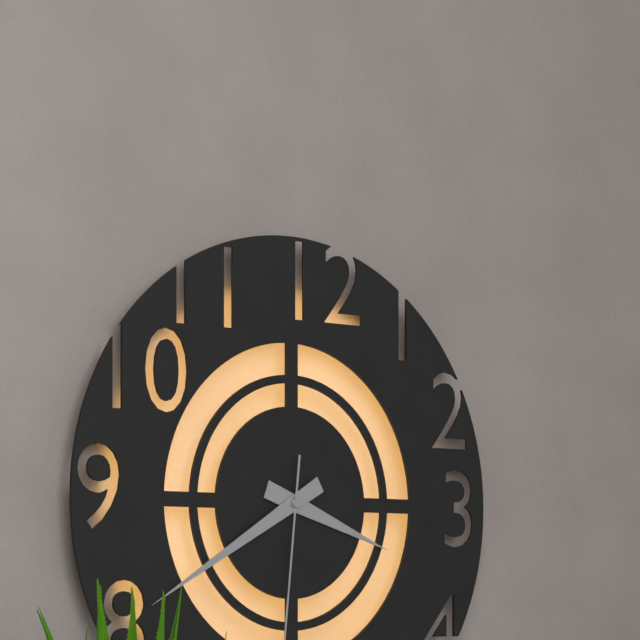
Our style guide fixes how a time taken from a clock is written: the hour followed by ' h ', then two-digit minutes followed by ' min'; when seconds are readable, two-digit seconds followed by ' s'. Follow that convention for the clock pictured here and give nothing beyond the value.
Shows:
3 h 40 min
